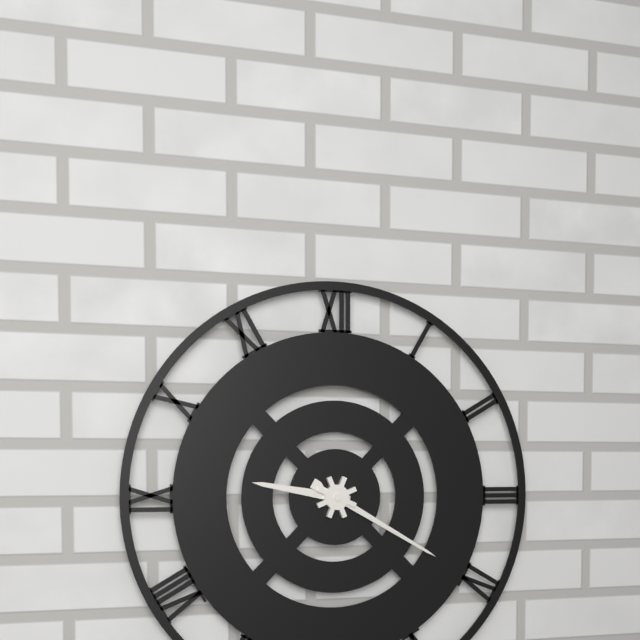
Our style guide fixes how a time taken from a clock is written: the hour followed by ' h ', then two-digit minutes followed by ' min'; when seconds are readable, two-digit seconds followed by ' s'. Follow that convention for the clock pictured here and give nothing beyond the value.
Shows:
9 h 20 min
